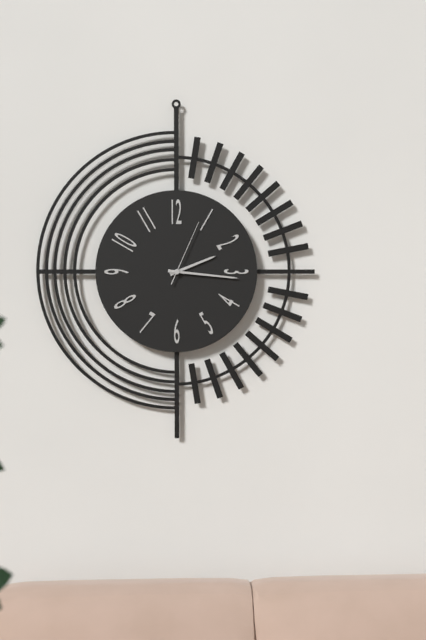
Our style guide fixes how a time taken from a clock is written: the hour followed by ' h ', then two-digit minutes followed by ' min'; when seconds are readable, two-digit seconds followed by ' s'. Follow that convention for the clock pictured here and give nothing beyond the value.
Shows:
2 h 16 min 04 s
